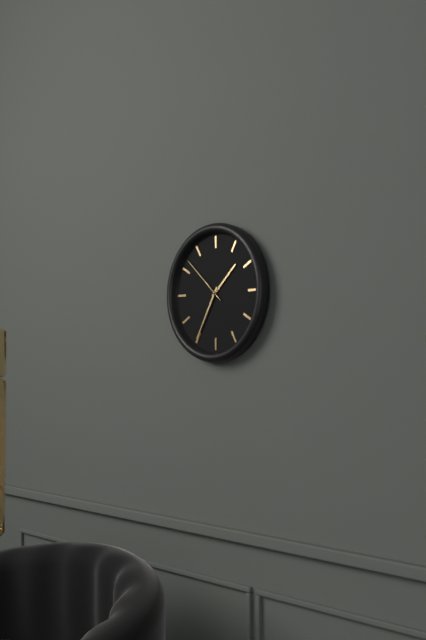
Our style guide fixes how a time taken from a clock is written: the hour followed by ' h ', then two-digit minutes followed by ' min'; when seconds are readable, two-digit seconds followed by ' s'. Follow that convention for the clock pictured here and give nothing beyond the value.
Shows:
1 h 35 min 52 s
